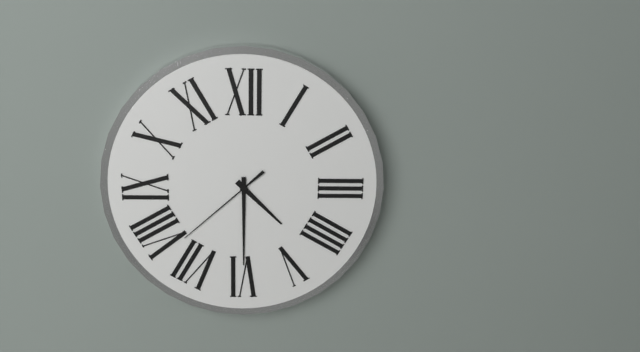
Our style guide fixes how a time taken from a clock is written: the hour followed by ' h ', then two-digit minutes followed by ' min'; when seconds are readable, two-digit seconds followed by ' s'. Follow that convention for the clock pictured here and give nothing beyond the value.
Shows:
4 h 30 min 38 s
